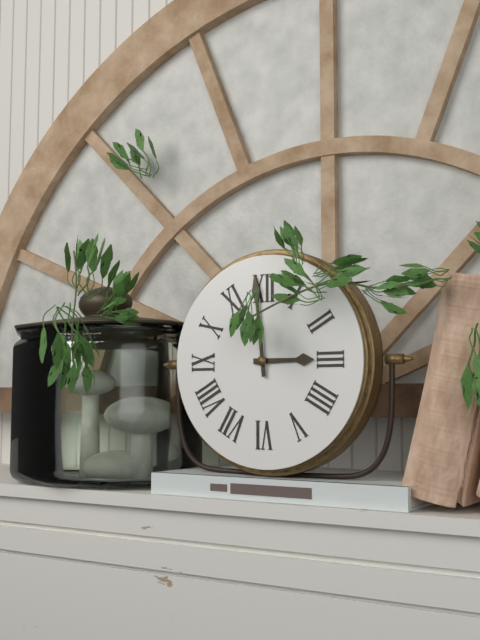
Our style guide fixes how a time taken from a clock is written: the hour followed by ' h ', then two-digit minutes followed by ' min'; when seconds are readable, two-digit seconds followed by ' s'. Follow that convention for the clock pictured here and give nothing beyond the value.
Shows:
2 h 59 min
